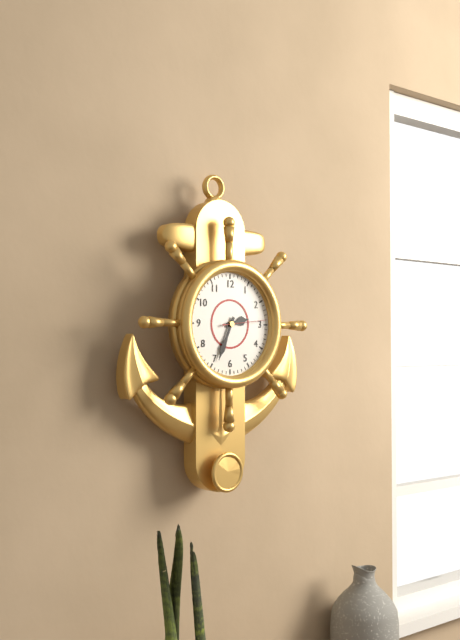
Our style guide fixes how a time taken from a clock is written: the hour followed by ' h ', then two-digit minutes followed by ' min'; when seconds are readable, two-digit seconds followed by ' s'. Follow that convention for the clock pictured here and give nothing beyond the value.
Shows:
2 h 34 min
